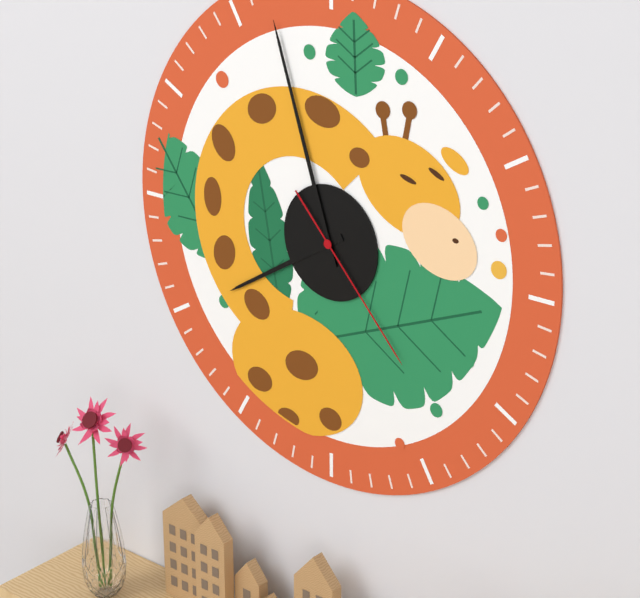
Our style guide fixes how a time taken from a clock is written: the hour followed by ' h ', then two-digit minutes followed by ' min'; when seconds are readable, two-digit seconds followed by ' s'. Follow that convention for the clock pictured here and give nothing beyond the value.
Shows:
7 h 57 min 23 s
